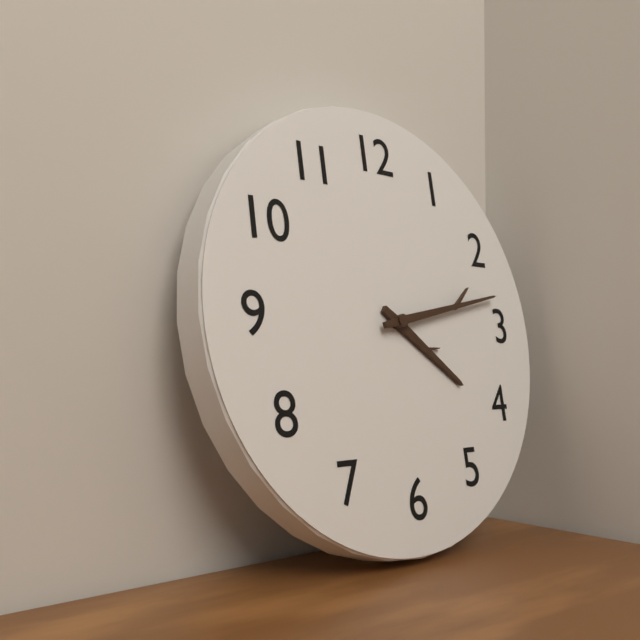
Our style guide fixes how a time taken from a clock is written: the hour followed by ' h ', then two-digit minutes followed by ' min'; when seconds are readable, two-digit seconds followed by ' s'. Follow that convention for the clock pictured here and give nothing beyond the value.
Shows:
4 h 13 min
